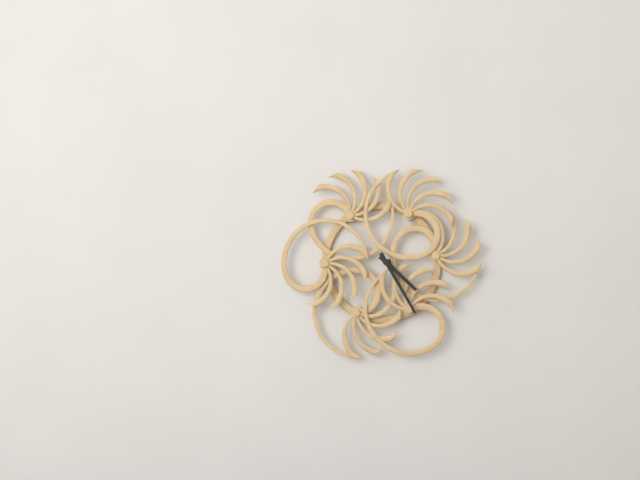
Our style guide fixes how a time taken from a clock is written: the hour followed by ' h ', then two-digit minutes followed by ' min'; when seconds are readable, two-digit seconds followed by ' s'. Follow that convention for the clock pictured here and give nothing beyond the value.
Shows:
4 h 25 min
